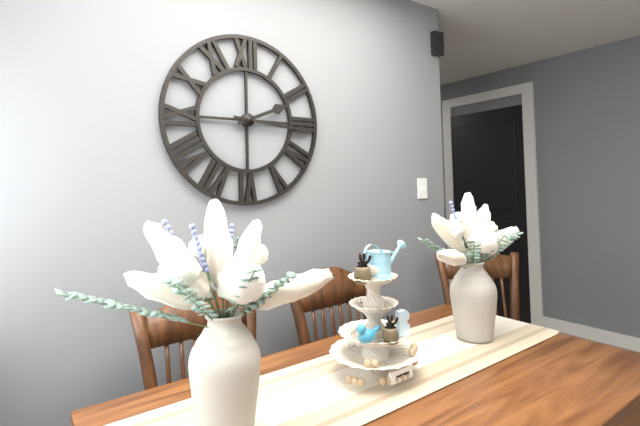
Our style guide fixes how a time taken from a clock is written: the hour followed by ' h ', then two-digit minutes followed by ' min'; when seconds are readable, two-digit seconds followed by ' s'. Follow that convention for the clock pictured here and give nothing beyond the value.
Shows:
2 h 16 min
